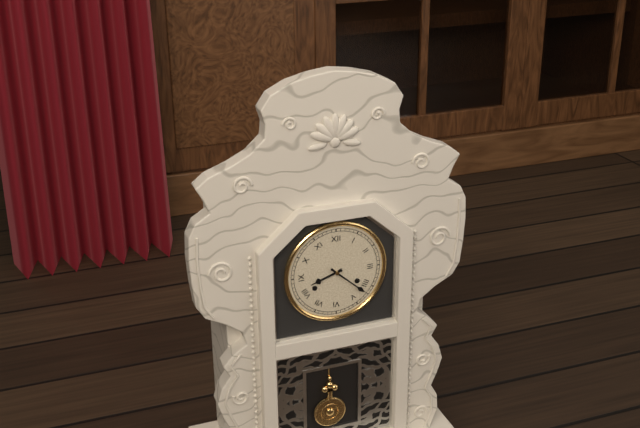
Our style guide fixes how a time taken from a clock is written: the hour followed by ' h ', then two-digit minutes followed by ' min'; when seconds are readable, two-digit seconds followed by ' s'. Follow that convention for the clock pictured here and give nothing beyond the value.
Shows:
8 h 22 min
